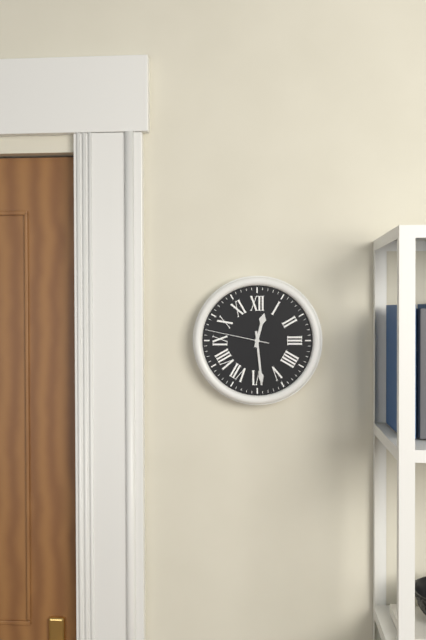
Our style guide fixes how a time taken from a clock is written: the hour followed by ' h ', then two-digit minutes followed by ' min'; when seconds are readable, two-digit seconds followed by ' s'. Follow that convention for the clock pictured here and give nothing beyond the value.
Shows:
12 h 29 min 47 s
